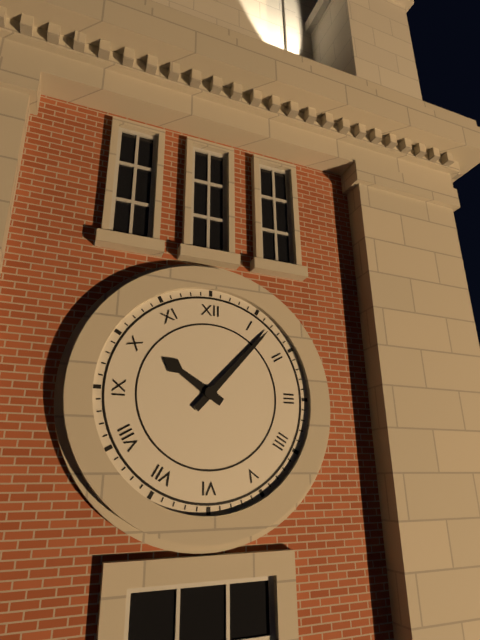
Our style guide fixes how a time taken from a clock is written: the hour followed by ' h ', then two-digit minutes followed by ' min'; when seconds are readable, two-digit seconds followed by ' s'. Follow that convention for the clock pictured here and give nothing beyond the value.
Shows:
10 h 07 min
